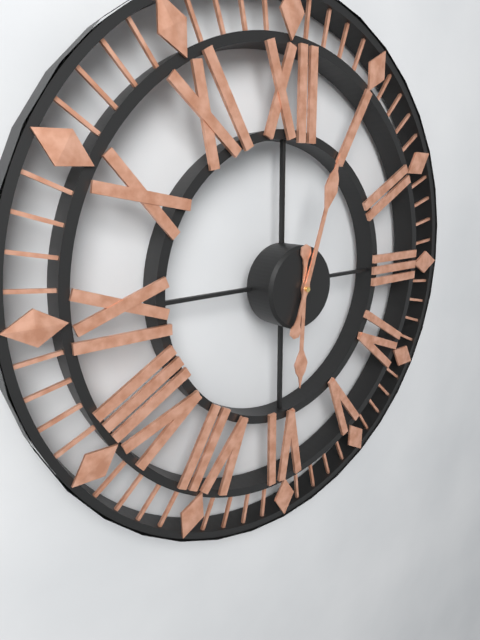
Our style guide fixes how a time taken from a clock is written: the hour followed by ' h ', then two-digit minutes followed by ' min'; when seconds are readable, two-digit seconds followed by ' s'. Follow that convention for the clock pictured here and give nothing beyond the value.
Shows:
6 h 03 min
